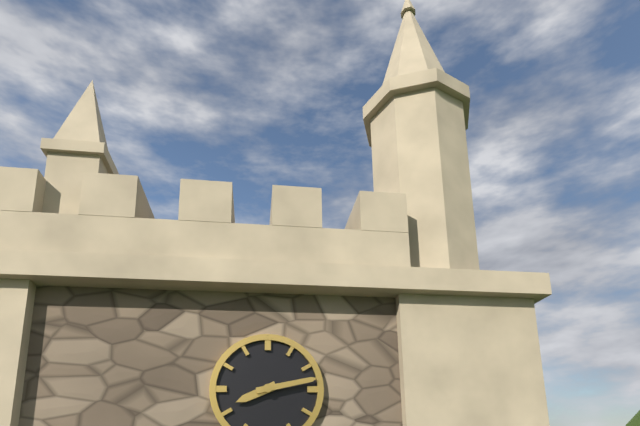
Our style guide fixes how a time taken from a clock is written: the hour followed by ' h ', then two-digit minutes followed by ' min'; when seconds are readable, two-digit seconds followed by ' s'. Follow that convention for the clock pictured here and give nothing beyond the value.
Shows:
8 h 13 min
